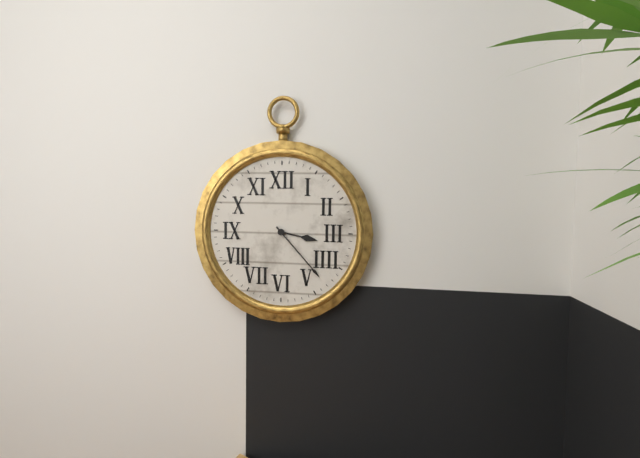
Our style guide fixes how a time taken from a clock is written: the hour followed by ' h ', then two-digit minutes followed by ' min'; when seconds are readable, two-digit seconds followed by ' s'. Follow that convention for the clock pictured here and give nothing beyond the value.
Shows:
3 h 23 min
